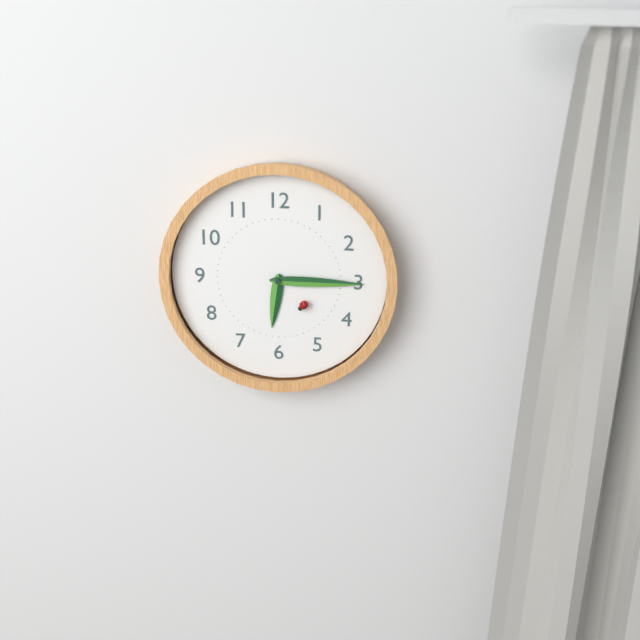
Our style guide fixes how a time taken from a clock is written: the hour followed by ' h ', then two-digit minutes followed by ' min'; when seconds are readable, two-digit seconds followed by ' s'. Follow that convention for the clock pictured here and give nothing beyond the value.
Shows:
6 h 15 min 22 s
